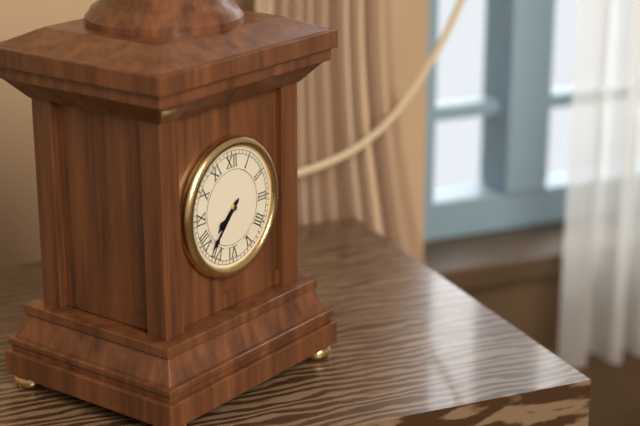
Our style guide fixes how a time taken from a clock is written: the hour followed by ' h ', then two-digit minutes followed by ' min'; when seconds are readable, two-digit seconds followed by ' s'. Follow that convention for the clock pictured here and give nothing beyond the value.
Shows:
7 h 37 min
